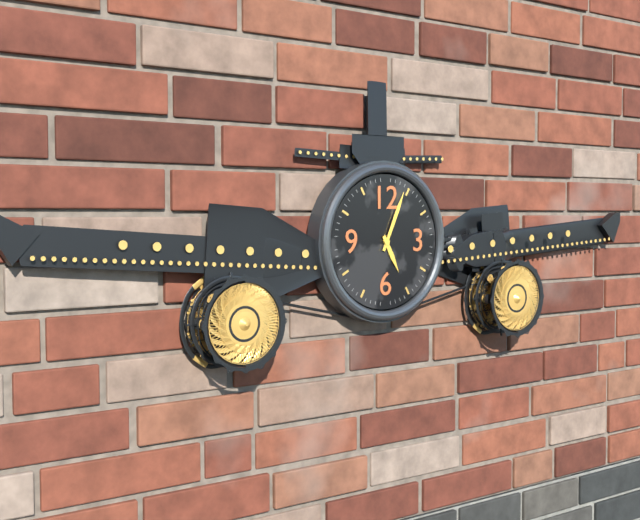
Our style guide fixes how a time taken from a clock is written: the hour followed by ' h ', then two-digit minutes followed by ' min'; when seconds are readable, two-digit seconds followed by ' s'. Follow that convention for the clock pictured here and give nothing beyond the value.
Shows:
5 h 04 min
